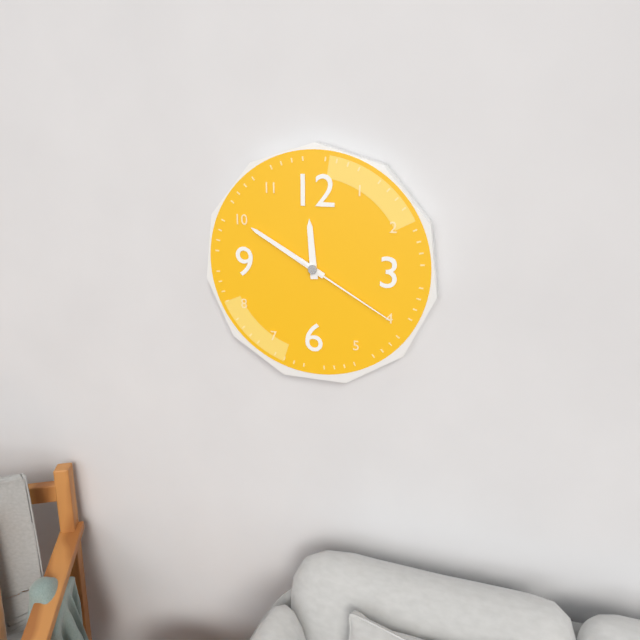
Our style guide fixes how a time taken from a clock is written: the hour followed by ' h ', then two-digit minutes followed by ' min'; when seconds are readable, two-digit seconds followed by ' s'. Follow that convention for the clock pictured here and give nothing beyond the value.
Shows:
11 h 50 min 20 s
